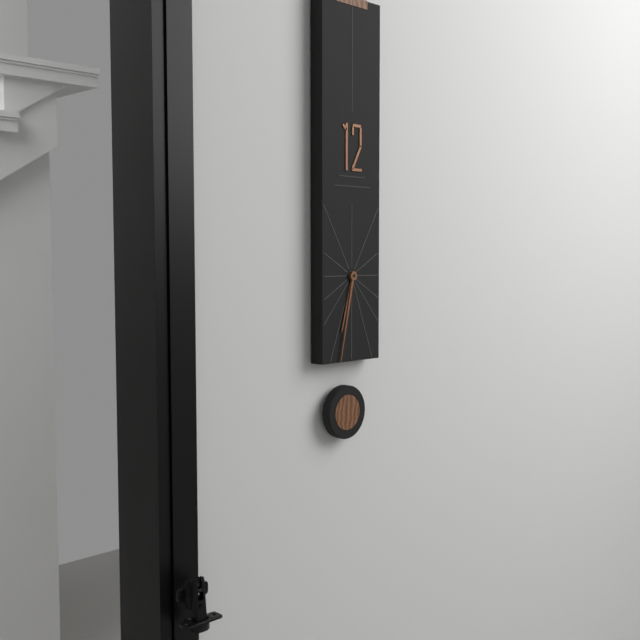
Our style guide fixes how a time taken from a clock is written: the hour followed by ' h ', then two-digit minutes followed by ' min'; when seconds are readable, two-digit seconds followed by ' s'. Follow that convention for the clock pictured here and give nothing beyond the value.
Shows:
6 h 32 min
